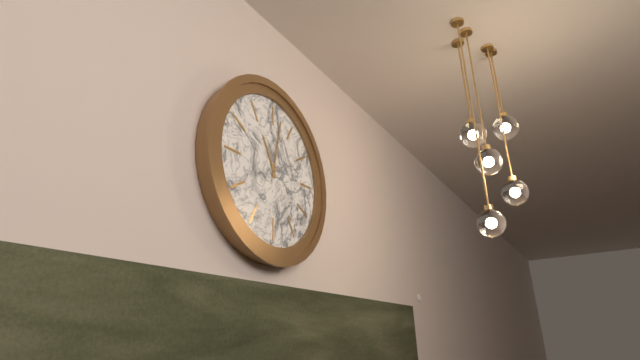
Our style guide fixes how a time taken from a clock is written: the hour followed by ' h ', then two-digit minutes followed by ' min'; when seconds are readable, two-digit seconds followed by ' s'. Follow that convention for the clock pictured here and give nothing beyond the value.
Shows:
11 h 02 min
